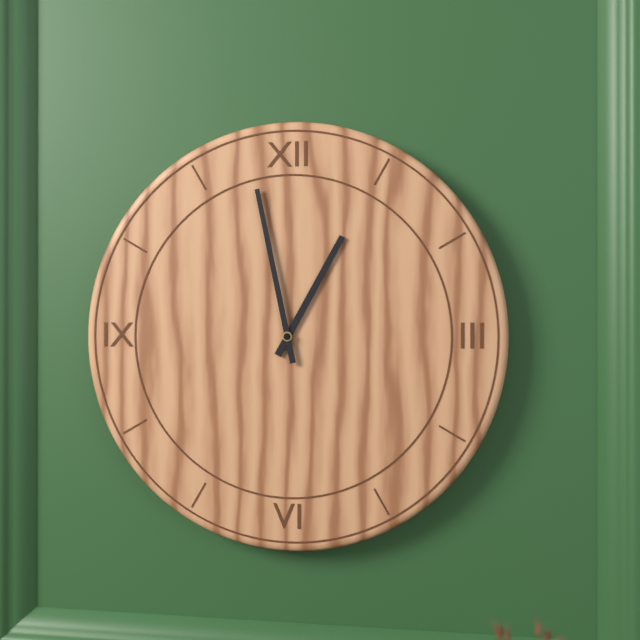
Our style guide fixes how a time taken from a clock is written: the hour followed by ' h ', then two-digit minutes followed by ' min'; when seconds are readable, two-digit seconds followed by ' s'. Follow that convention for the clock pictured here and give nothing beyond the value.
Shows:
12 h 58 min
